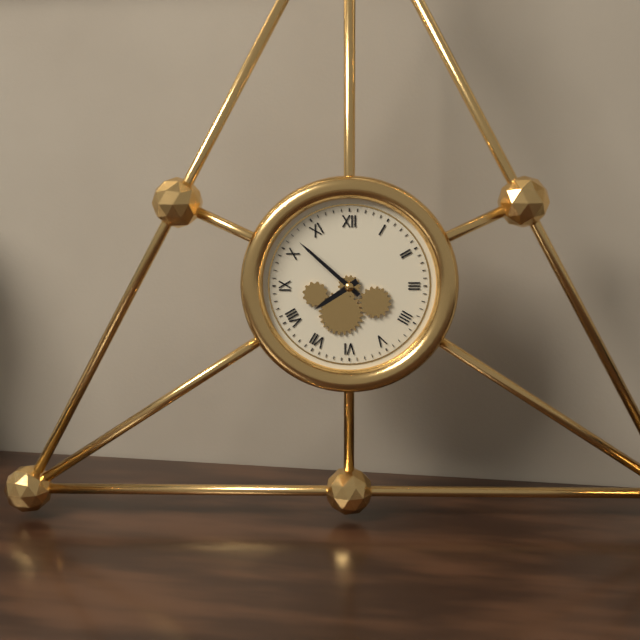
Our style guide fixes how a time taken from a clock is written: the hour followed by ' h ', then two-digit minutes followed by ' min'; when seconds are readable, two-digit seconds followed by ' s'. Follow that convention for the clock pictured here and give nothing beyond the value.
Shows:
7 h 52 min
